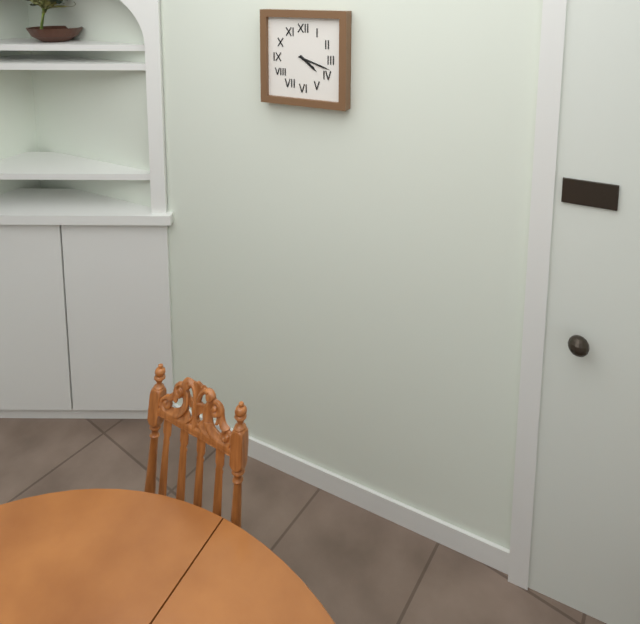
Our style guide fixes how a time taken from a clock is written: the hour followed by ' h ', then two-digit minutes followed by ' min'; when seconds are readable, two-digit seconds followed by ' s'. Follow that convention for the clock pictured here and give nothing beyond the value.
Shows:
4 h 18 min
